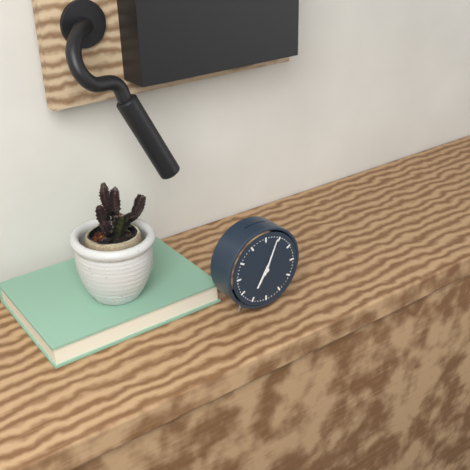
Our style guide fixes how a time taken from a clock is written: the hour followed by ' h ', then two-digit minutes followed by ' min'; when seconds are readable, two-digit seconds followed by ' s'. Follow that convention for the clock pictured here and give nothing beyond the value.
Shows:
7 h 04 min
